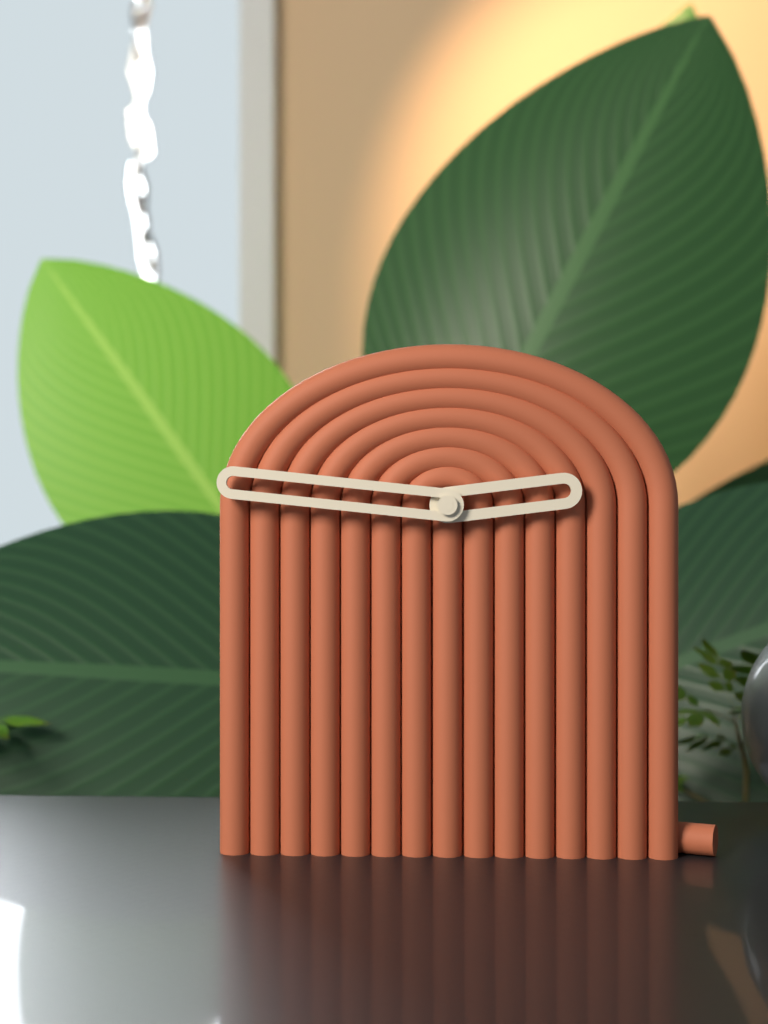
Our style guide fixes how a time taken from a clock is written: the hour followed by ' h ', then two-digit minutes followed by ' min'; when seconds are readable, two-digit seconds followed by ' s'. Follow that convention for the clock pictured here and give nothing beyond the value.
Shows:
2 h 46 min
